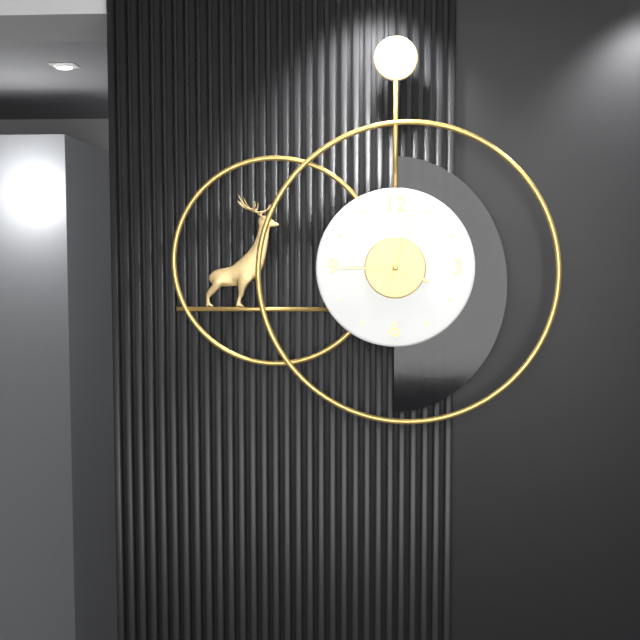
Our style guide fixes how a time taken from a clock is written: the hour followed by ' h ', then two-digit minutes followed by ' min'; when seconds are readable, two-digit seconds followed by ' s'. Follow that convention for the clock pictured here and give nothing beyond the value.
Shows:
3 h 45 min 03 s
